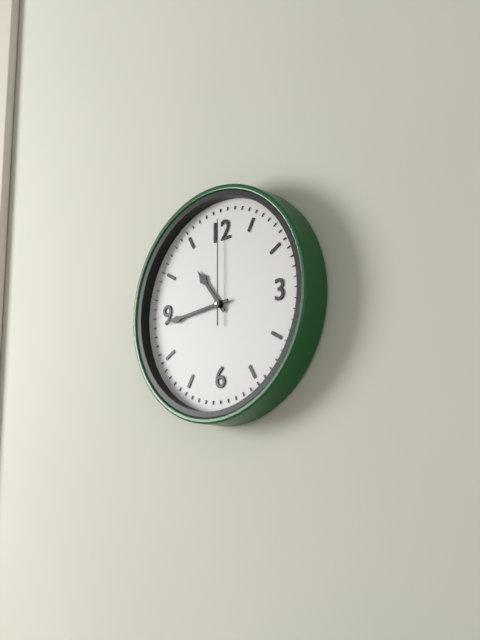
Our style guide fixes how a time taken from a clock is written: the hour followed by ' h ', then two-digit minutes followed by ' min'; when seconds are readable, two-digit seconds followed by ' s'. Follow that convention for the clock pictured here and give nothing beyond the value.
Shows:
10 h 44 min 00 s
